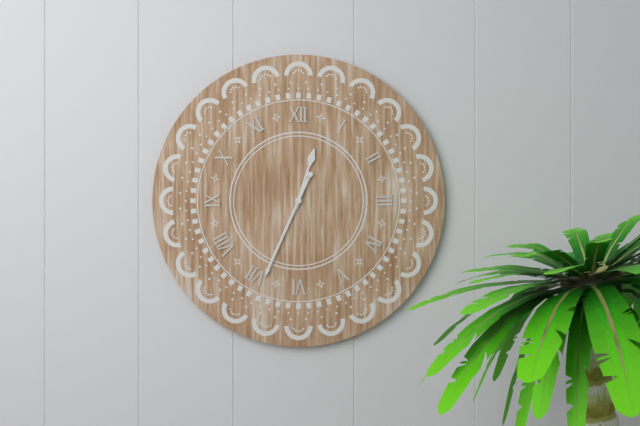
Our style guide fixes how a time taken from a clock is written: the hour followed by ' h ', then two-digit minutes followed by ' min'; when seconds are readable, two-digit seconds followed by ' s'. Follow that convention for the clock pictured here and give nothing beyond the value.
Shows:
12 h 34 min
